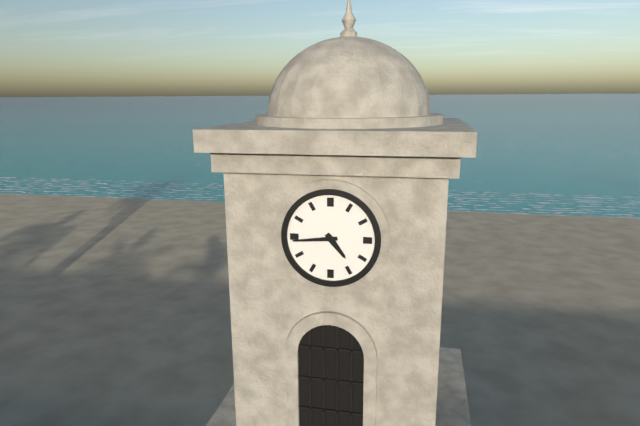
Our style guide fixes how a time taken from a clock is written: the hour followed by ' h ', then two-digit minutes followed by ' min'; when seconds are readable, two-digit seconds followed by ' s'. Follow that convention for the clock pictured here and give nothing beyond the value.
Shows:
4 h 44 min
